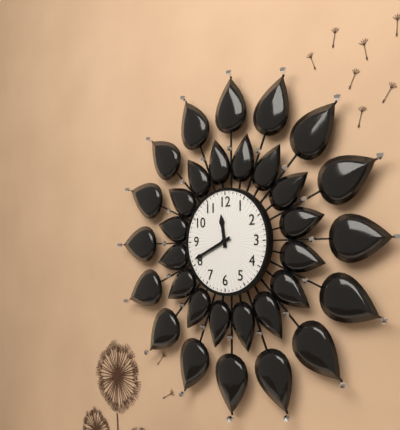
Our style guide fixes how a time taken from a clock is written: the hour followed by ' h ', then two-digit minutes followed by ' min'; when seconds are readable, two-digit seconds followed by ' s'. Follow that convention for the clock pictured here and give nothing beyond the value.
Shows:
11 h 41 min
